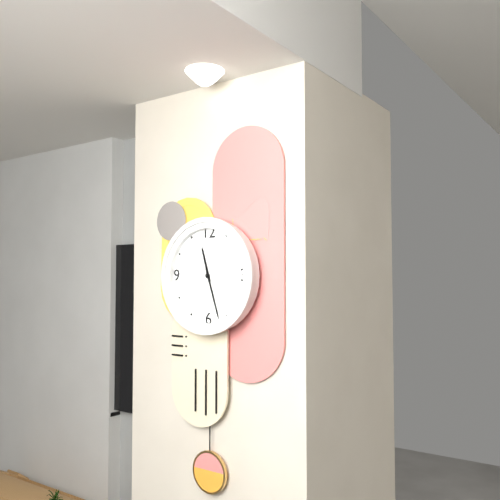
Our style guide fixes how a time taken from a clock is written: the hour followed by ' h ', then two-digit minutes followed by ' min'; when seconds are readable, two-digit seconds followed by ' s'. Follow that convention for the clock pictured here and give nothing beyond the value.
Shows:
11 h 27 min
